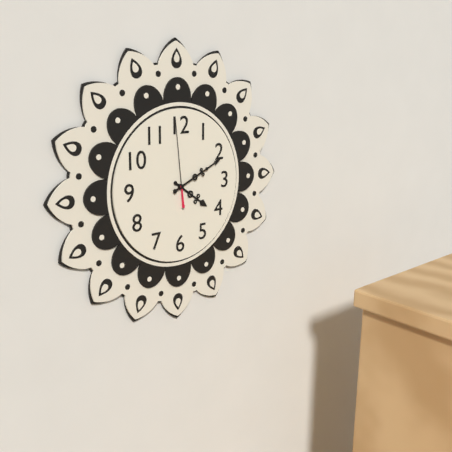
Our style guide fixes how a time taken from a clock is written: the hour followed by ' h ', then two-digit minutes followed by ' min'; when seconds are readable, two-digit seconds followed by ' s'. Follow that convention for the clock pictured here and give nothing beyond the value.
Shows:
4 h 11 min 59 s
